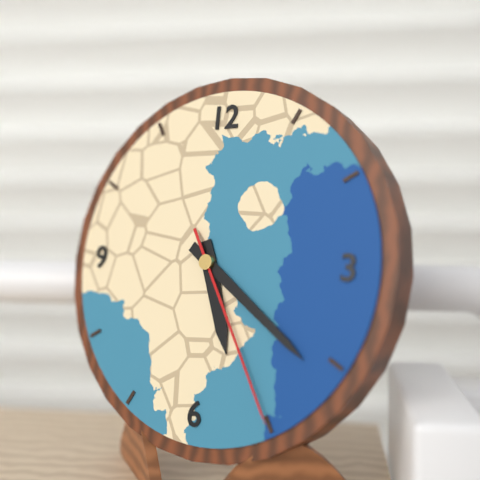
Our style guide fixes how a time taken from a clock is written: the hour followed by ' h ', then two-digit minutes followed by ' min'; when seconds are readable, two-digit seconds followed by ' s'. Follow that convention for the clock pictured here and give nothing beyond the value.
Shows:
5 h 21 min 25 s
